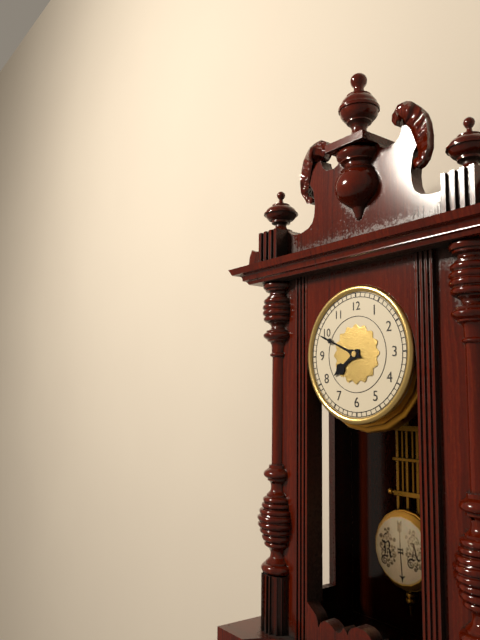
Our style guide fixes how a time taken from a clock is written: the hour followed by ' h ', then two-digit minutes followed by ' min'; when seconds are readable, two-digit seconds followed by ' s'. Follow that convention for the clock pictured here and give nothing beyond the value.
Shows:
7 h 49 min
